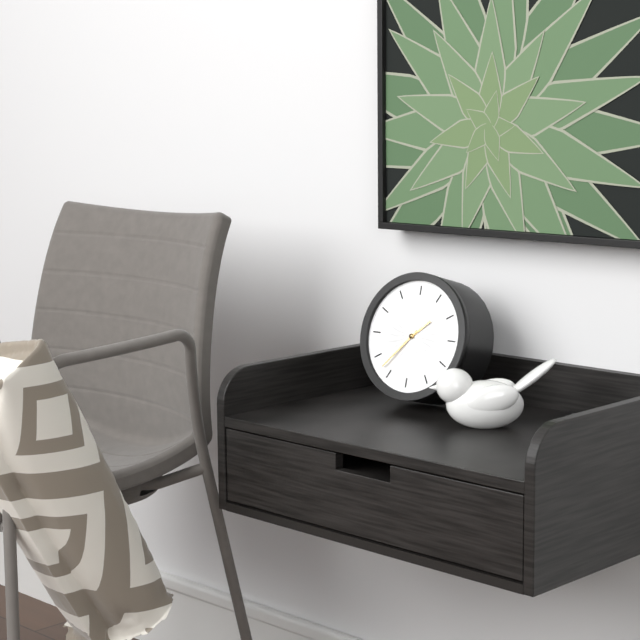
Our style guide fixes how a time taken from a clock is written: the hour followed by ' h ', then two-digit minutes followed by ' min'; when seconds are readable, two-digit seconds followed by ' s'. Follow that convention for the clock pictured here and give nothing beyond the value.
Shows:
1 h 37 min
